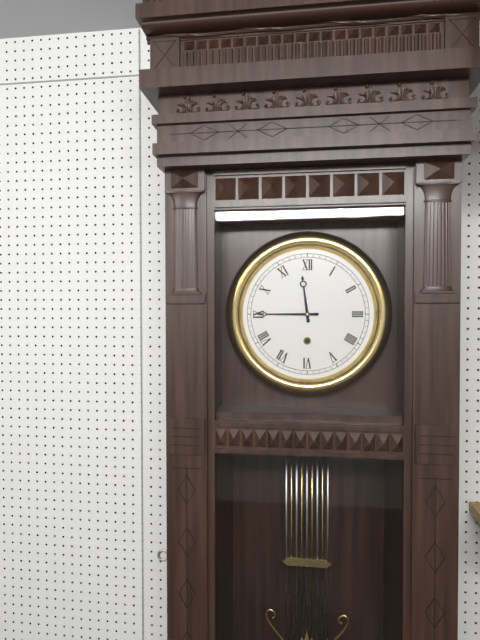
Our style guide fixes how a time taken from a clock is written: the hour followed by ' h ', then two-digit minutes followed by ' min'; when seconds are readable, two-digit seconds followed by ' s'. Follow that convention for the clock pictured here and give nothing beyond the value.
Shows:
11 h 45 min
